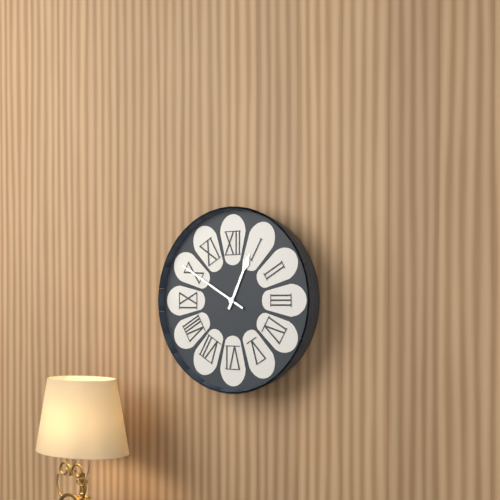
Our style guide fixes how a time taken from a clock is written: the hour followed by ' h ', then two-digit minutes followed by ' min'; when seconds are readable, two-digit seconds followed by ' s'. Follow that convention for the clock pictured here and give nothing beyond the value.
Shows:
12 h 50 min
